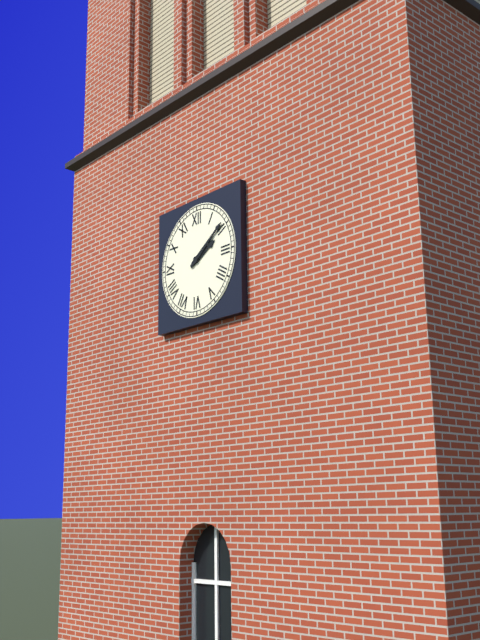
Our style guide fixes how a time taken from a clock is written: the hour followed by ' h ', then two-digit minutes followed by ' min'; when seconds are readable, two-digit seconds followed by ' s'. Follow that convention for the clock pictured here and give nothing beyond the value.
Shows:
2 h 09 min
